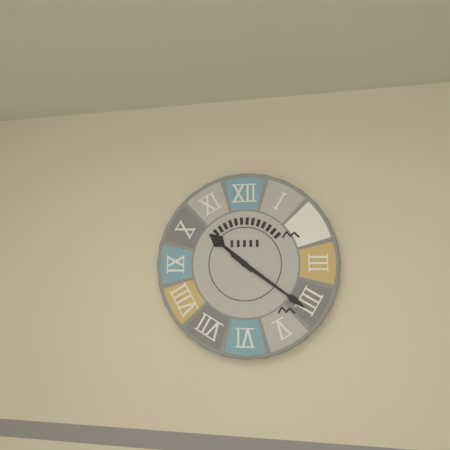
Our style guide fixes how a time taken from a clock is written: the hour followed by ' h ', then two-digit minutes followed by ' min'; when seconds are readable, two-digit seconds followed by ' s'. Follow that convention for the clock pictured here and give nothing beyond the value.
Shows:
10 h 21 min
